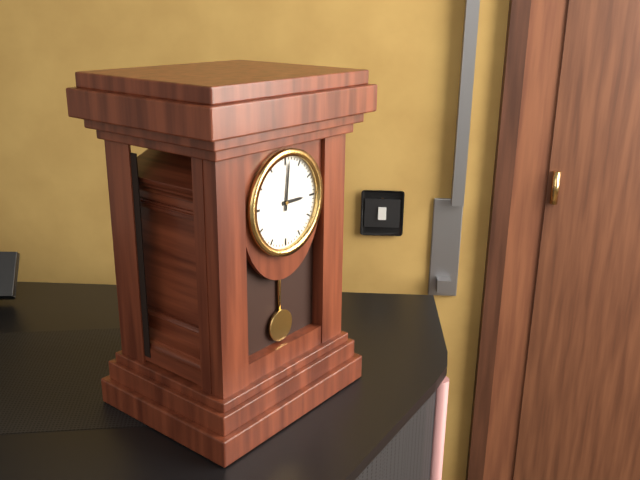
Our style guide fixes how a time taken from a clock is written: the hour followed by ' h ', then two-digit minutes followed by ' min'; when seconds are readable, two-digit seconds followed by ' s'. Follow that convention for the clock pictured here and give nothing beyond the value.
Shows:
3 h 01 min
